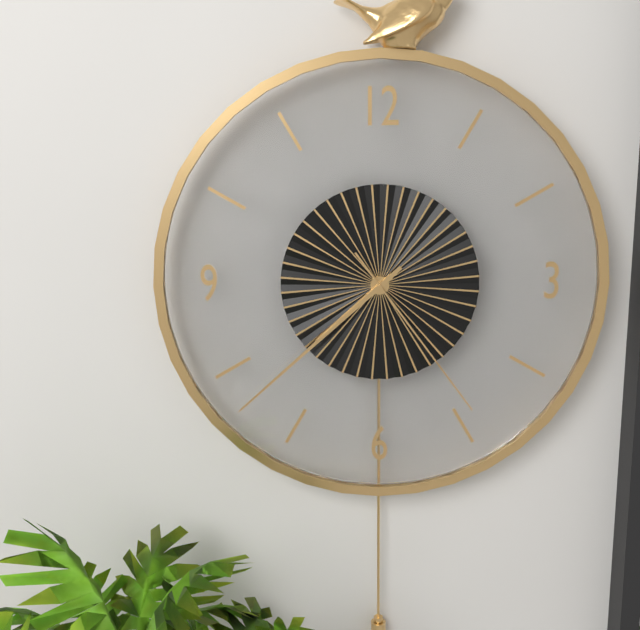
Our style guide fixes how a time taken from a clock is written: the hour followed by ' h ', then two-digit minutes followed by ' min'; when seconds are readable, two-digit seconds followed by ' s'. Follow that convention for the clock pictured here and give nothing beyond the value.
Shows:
7 h 38 min 24 s
